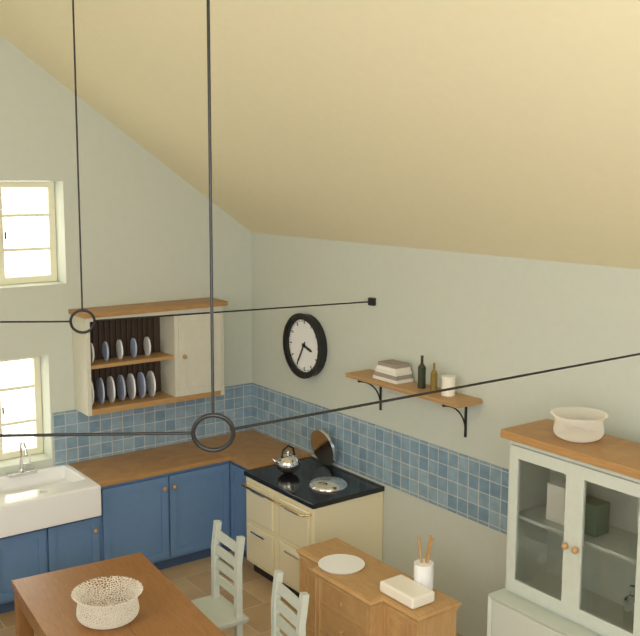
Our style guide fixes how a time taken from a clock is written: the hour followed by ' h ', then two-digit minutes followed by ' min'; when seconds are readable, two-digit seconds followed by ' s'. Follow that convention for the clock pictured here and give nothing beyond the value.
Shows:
3 h 35 min
